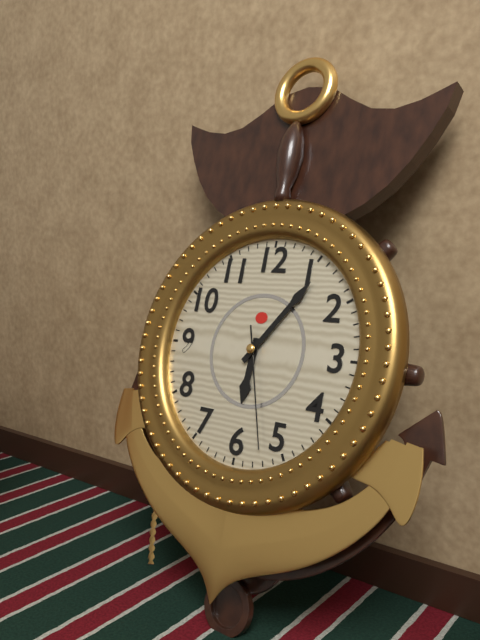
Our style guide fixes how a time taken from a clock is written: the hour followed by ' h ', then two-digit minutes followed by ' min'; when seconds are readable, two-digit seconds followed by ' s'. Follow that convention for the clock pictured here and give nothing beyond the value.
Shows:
6 h 06 min 27 s
